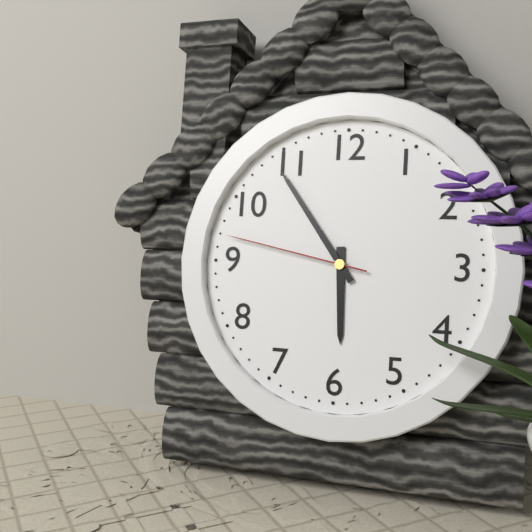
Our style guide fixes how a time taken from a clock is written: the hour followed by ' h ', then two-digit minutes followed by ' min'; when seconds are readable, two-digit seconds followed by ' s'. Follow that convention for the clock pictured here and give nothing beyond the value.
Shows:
5 h 54 min 47 s
